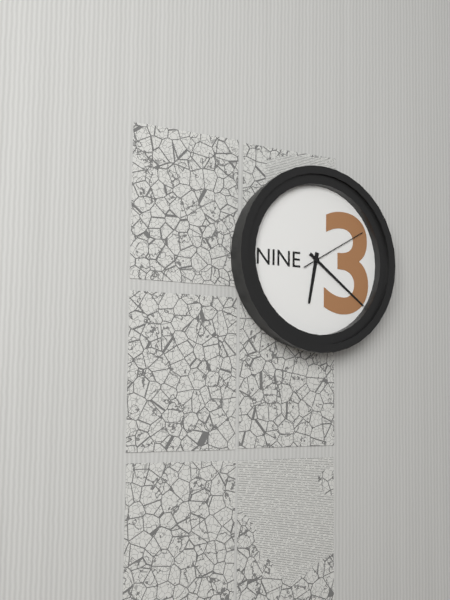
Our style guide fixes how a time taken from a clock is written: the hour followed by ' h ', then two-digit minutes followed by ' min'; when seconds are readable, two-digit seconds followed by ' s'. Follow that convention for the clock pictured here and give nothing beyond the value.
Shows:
6 h 21 min 10 s
